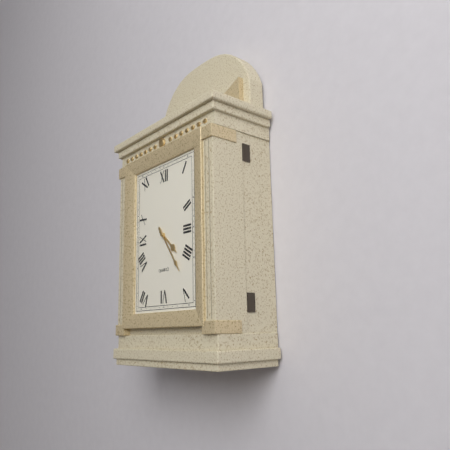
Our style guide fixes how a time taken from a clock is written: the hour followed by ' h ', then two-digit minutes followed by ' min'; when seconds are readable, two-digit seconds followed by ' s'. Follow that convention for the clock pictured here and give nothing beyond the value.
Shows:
4 h 24 min
